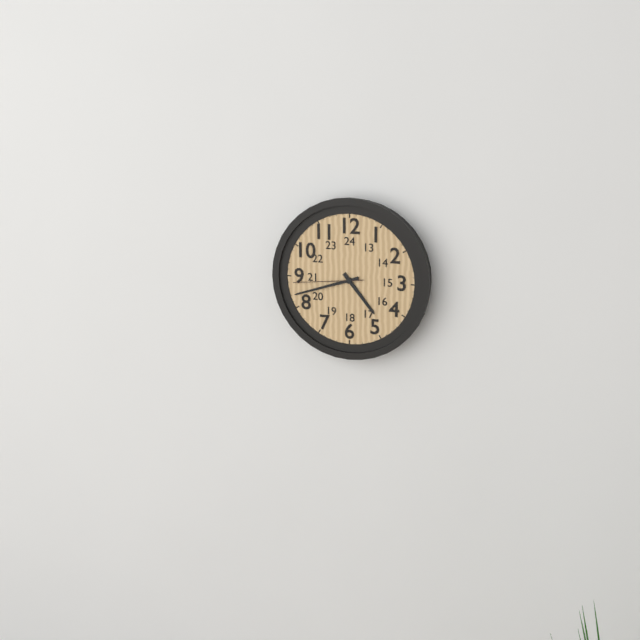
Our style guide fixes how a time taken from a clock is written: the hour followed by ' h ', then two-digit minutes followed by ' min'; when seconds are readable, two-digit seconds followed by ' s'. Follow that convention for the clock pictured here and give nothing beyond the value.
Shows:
4 h 42 min 44 s
